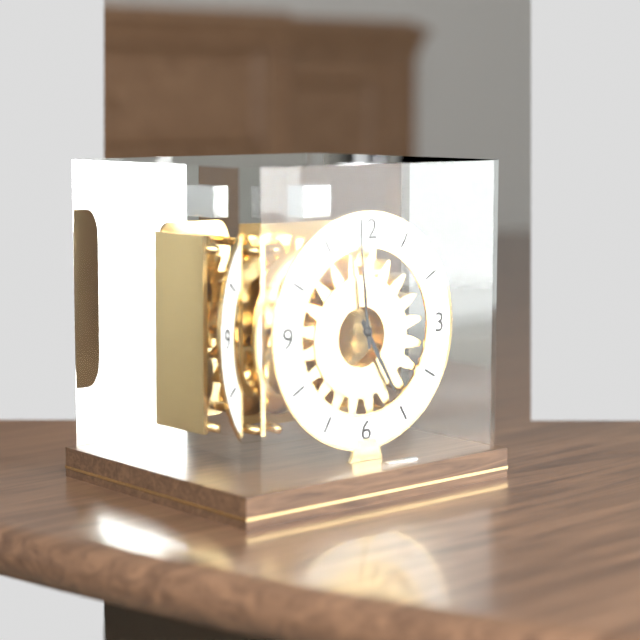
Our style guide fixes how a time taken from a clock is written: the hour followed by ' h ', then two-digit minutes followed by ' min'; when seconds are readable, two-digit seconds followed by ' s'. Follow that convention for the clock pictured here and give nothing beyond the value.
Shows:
4 h 59 min
